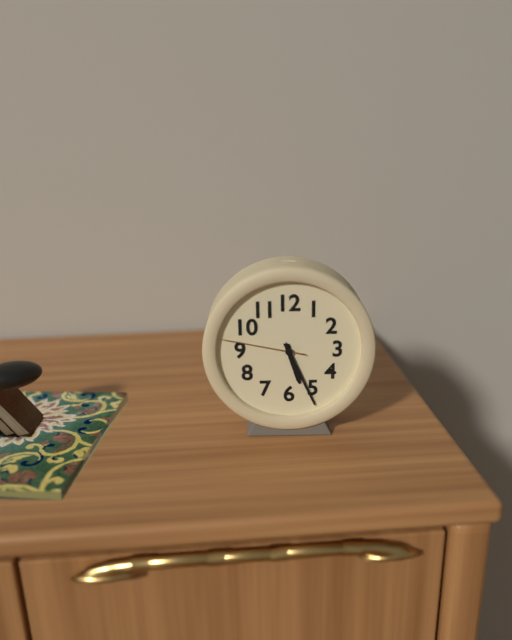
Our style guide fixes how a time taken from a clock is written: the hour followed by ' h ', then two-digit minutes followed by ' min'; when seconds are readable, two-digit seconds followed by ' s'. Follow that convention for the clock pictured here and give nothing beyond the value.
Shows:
5 h 26 min 47 s
